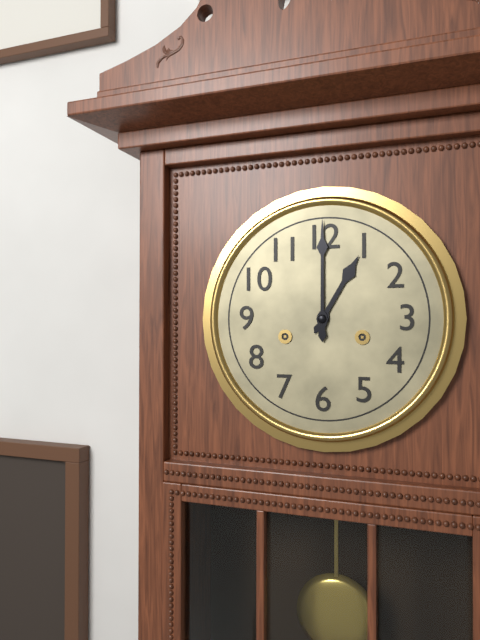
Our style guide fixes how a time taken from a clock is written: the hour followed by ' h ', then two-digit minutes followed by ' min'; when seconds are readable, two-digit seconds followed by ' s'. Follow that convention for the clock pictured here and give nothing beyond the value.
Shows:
1 h 00 min
